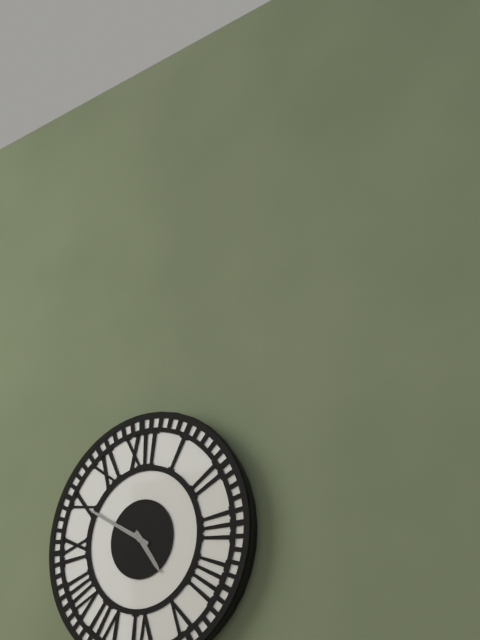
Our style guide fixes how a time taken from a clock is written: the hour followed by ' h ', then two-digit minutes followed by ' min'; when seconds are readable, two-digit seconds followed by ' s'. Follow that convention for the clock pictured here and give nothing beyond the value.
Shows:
4 h 50 min
